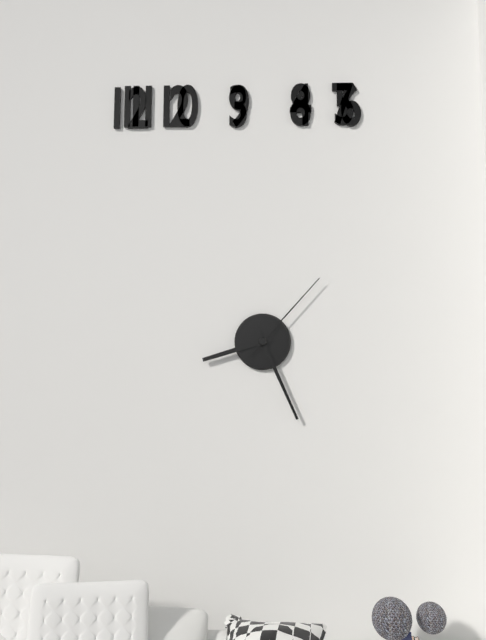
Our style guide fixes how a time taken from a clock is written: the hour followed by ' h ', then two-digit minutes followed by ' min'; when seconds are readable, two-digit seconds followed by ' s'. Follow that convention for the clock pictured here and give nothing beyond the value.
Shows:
8 h 26 min 07 s
